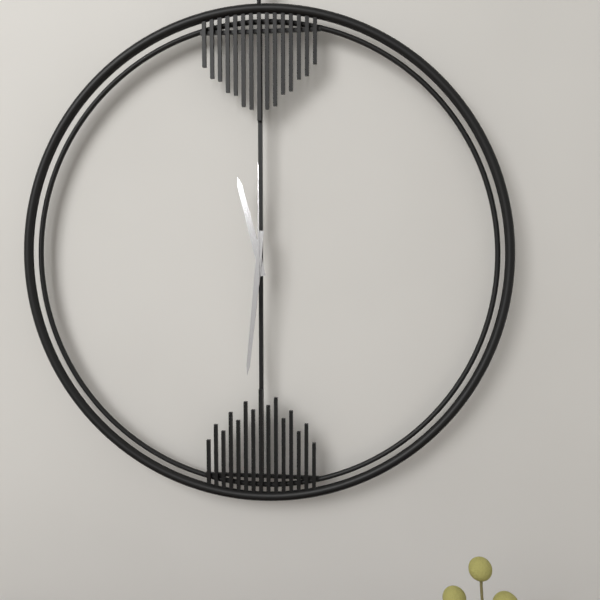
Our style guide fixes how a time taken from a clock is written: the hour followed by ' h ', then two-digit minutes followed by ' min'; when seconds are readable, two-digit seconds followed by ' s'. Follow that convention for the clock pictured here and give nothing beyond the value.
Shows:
11 h 31 min 00 s
